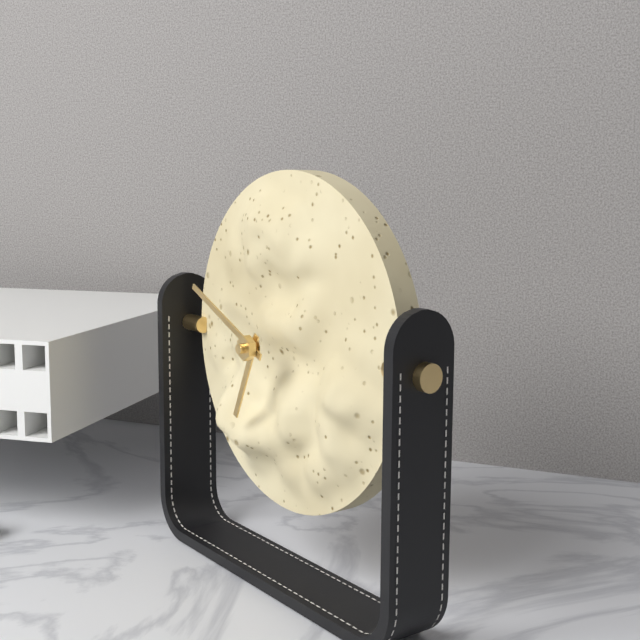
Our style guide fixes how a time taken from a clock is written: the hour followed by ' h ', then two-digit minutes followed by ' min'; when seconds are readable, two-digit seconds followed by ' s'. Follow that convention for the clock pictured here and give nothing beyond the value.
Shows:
6 h 49 min
